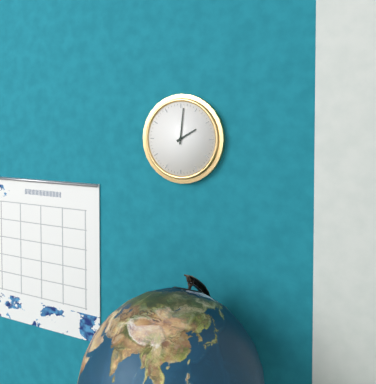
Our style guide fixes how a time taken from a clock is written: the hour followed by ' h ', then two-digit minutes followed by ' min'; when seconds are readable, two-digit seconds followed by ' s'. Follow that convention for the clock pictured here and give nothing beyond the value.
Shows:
2 h 01 min
